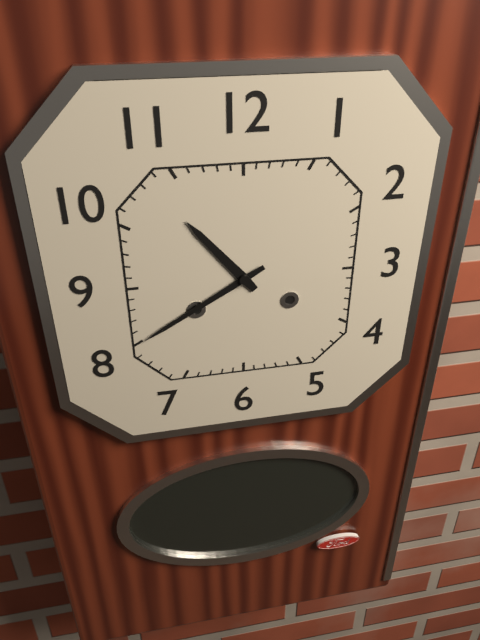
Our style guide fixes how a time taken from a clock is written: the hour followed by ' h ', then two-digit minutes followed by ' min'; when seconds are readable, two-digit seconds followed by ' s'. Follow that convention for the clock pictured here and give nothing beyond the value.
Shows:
10 h 40 min
